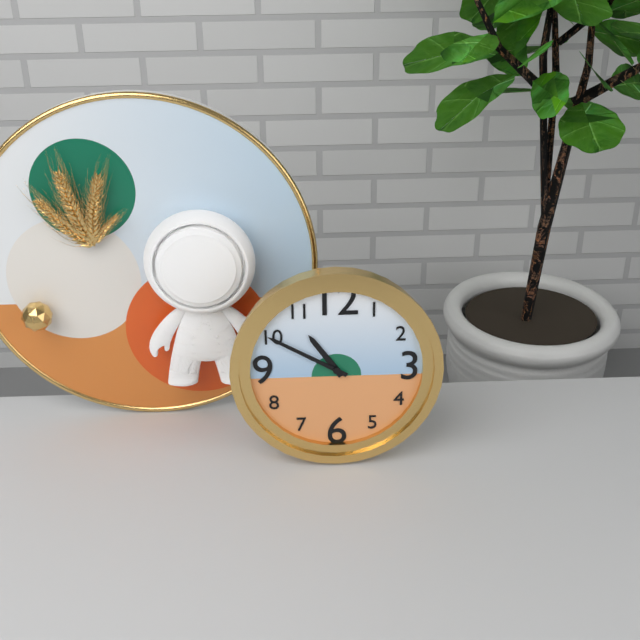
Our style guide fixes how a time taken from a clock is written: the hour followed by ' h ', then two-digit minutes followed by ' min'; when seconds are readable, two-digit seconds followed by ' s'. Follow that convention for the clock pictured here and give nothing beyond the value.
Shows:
10 h 50 min
